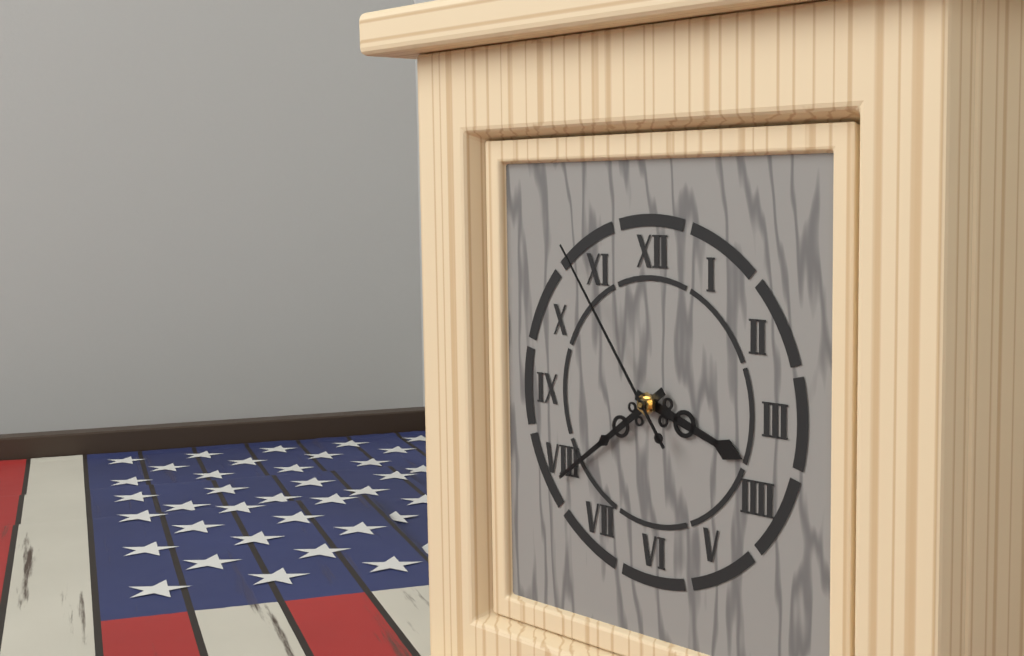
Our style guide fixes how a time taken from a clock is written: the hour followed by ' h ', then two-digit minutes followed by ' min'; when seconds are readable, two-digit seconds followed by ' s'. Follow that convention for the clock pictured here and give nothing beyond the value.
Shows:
3 h 39 min 54 s
